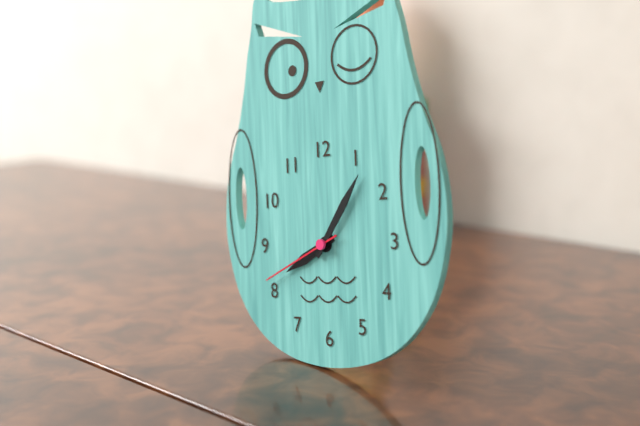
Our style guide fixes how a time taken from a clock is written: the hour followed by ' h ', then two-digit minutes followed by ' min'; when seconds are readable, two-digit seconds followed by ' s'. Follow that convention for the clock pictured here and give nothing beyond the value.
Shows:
8 h 06 min 41 s
